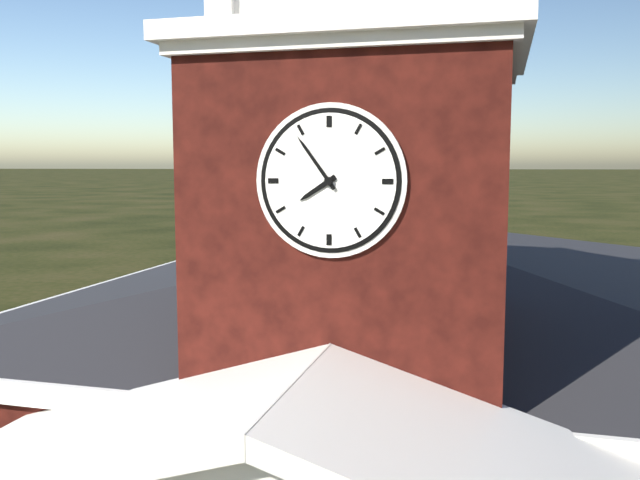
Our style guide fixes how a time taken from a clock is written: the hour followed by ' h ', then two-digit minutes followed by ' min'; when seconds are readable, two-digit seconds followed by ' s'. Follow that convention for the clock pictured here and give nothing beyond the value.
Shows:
7 h 54 min
